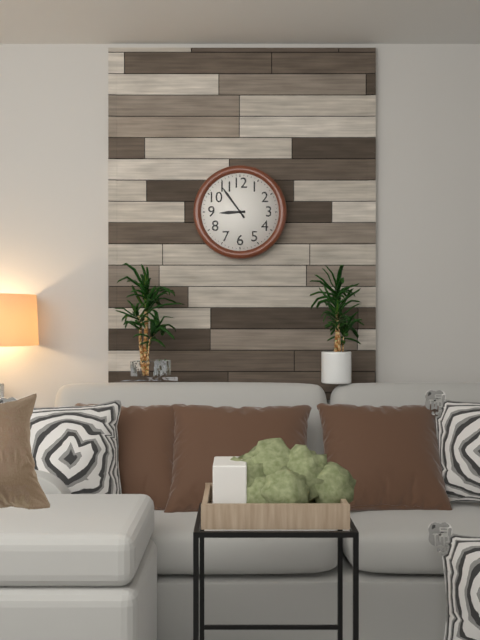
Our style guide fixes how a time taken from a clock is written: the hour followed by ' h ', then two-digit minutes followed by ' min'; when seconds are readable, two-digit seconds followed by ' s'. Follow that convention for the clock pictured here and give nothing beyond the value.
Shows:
8 h 54 min
